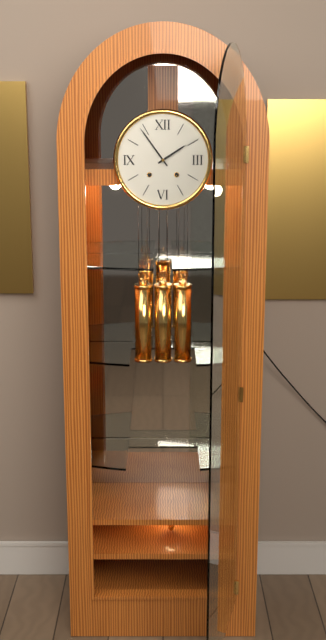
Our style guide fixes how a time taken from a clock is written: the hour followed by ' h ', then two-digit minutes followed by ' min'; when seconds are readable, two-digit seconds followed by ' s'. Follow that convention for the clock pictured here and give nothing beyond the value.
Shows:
1 h 54 min
